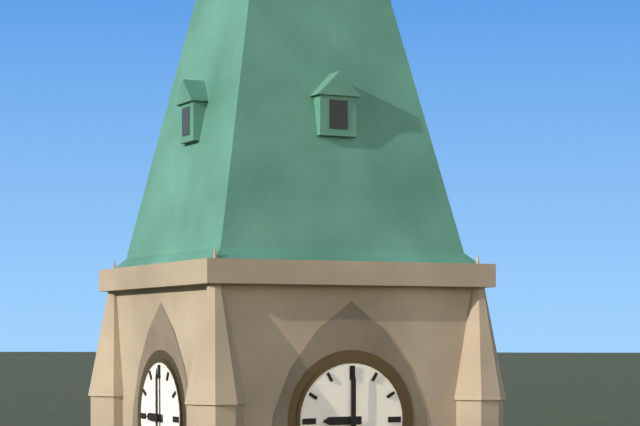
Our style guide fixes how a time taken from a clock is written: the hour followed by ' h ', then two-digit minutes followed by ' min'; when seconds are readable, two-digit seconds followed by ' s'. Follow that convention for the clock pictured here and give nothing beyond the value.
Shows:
9 h 00 min
